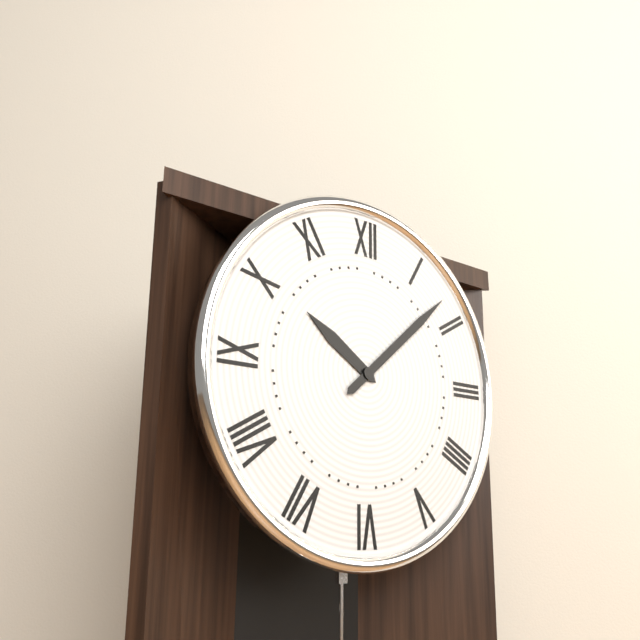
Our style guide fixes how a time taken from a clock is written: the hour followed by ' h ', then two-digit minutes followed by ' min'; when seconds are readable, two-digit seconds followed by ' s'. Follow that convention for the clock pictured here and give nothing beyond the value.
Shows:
10 h 08 min
